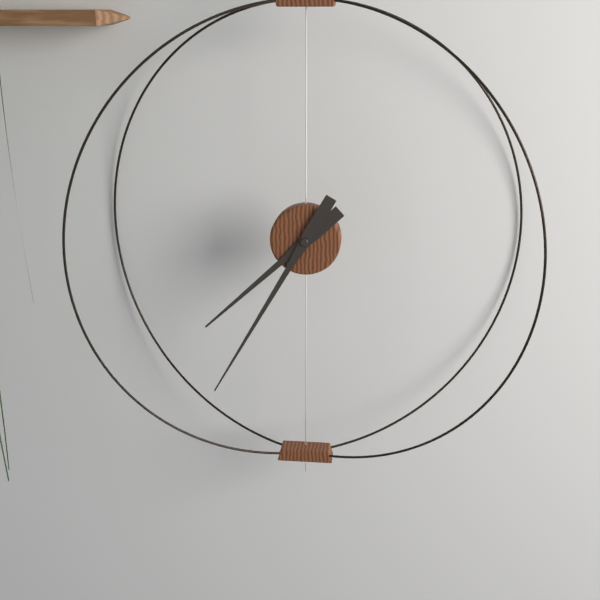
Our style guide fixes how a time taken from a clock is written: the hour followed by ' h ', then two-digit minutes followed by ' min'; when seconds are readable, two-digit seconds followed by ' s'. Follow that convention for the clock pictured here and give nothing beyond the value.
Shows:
7 h 35 min
